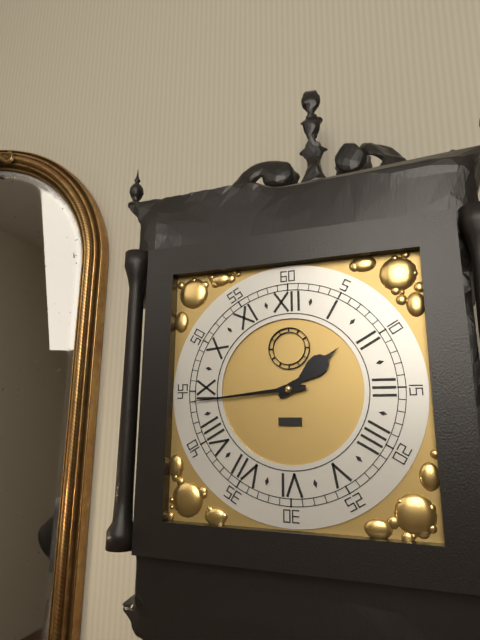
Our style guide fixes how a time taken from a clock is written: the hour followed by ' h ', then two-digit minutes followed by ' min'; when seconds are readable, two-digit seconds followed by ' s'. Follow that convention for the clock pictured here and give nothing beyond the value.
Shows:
1 h 44 min
